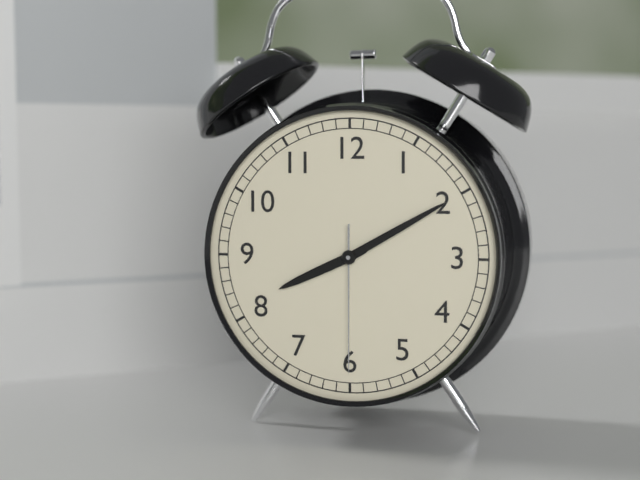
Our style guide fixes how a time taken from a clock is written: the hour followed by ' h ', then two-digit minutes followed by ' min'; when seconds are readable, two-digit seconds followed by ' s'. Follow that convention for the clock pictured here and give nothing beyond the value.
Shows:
8 h 10 min 30 s
